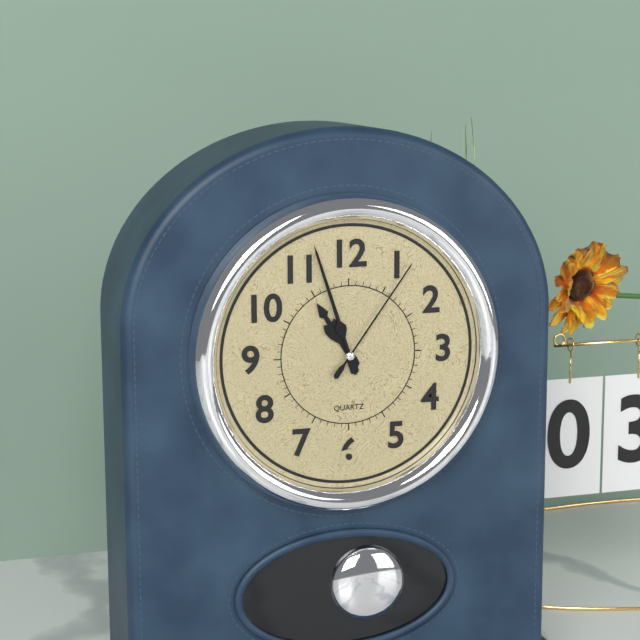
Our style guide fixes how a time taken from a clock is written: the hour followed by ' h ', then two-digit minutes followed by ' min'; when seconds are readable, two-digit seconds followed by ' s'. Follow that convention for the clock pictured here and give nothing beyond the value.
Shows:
10 h 57 min 06 s
